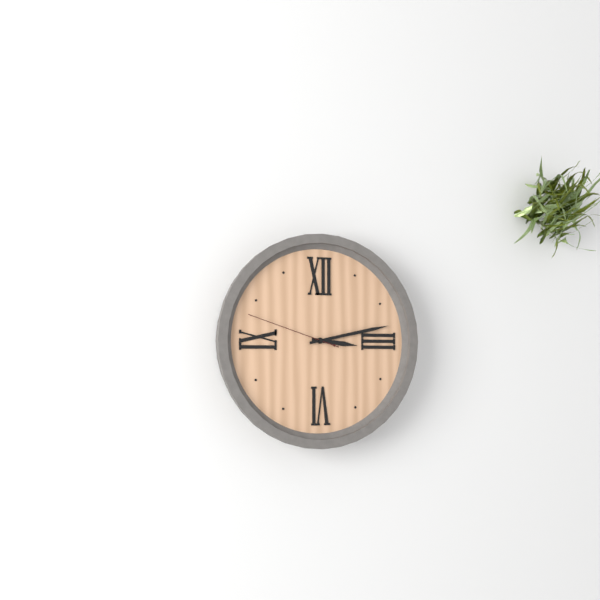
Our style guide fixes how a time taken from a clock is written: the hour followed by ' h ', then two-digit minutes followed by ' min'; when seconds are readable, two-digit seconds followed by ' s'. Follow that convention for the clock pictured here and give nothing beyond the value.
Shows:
3 h 13 min 48 s
